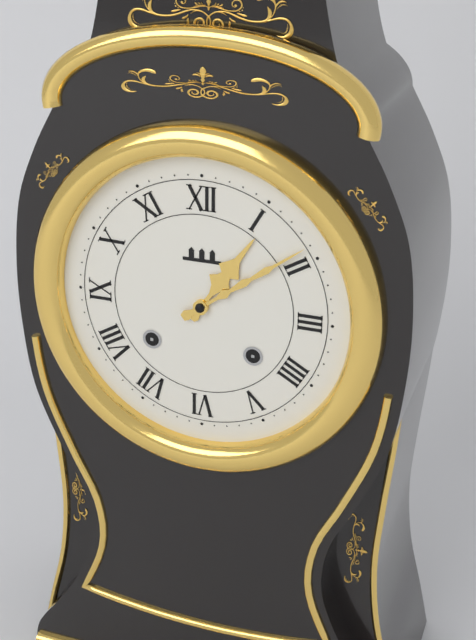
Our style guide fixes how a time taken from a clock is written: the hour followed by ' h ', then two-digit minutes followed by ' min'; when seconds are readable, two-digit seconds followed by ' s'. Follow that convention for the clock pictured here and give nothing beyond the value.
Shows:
1 h 09 min
